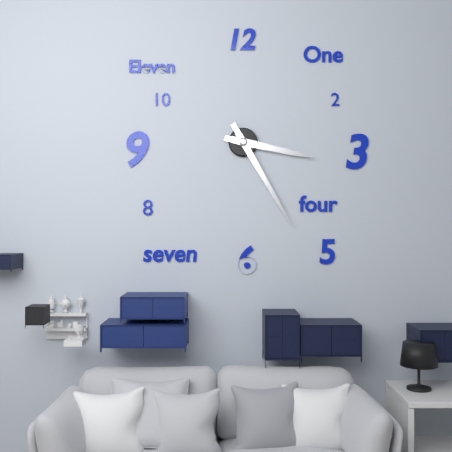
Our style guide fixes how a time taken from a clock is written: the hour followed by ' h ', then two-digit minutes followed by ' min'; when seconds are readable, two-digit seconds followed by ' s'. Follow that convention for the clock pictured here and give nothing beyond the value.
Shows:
3 h 25 min
